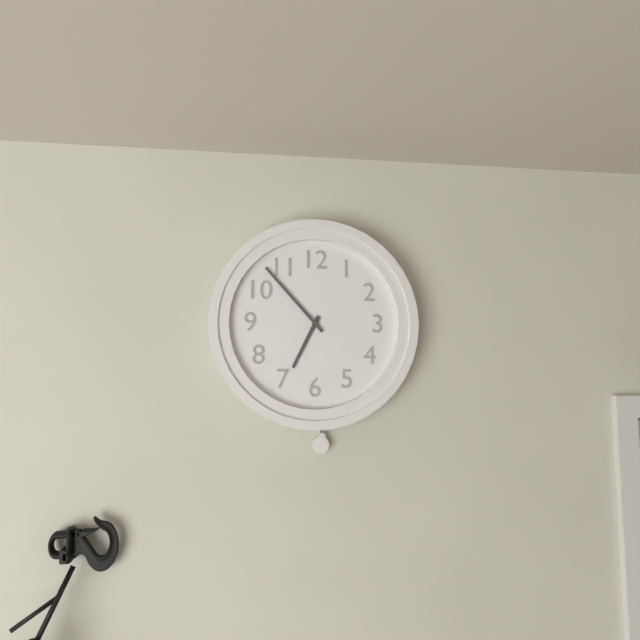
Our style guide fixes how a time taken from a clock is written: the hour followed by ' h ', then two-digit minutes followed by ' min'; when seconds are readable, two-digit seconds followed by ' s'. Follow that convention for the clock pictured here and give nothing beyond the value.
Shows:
6 h 53 min
